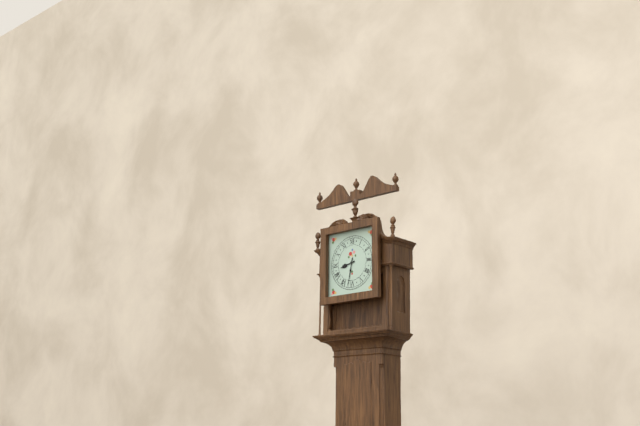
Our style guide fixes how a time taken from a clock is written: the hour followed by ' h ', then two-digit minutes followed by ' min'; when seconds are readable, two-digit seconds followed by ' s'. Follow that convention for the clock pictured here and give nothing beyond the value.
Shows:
8 h 32 min
